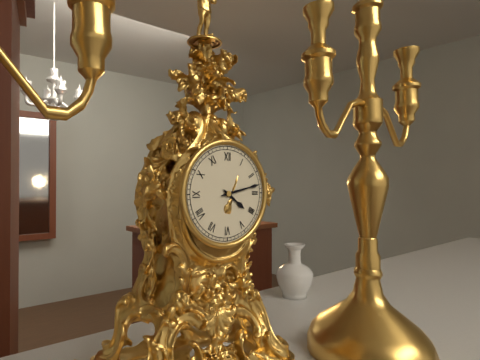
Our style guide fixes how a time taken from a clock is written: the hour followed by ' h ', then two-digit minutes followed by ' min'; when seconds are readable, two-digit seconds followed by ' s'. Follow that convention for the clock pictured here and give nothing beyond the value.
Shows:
4 h 13 min
